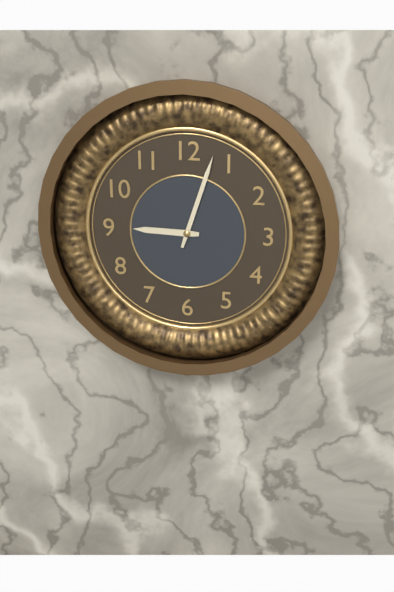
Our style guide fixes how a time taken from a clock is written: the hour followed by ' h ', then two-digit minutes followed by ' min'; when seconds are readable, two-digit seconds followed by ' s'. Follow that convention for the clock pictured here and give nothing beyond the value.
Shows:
9 h 03 min
